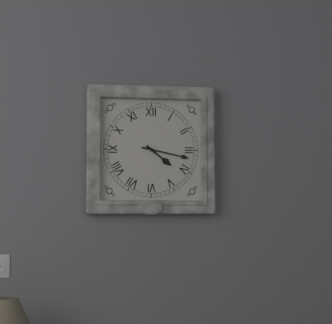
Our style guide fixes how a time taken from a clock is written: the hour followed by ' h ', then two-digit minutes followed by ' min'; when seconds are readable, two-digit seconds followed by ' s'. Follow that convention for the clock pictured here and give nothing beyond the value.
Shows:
4 h 17 min
